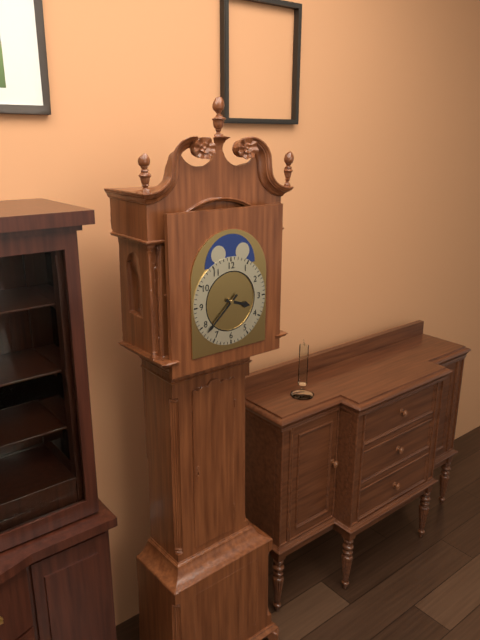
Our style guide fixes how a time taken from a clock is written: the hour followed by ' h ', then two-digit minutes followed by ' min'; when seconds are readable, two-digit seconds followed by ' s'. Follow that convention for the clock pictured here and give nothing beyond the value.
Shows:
3 h 38 min
